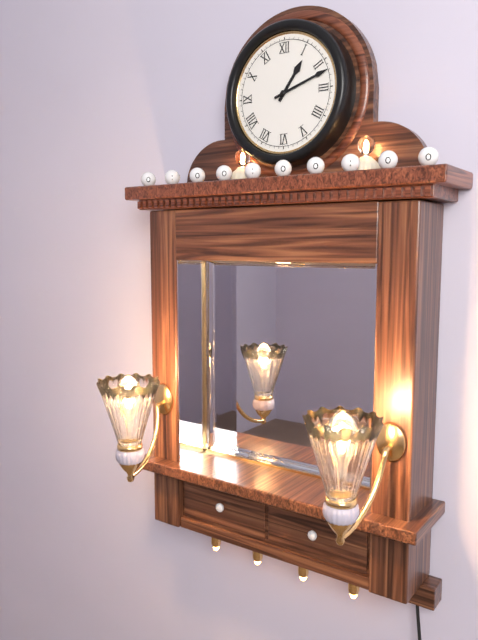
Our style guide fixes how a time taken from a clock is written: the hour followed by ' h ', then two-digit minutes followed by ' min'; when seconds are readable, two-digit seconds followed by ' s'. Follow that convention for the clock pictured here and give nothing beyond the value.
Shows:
1 h 12 min
